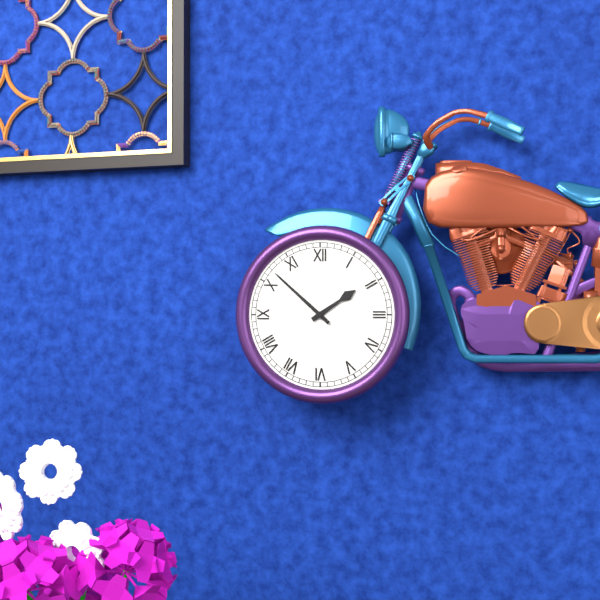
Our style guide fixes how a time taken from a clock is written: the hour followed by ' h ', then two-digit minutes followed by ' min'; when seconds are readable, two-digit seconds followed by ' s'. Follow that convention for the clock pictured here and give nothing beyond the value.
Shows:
1 h 52 min
